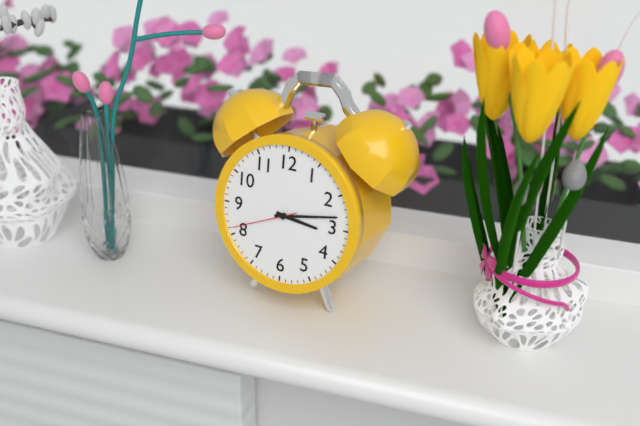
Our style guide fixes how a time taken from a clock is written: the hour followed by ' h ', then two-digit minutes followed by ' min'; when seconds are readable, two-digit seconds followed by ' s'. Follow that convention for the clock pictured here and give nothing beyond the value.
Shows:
3 h 13 min 41 s
